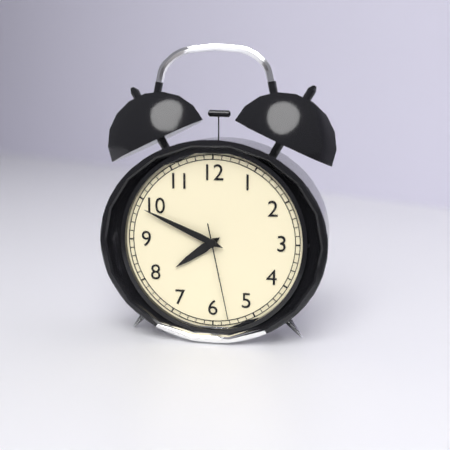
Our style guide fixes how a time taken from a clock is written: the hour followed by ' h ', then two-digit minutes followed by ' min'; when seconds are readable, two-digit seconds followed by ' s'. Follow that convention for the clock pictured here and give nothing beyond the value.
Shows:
7 h 49 min 28 s
